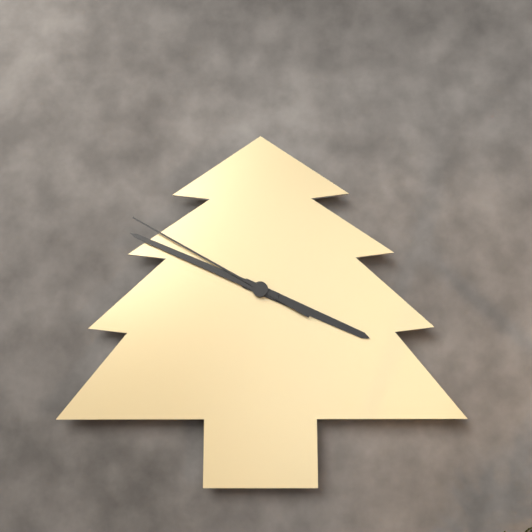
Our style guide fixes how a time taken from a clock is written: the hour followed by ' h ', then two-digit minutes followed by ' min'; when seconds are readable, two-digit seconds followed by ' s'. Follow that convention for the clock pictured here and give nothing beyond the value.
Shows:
3 h 49 min 50 s
